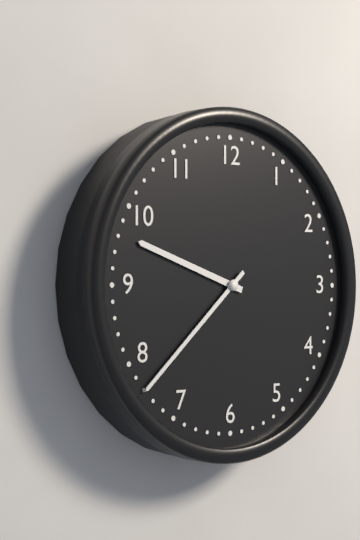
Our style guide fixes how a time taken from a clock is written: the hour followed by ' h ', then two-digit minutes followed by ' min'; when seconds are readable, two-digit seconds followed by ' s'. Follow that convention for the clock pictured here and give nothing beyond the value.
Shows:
9 h 38 min
